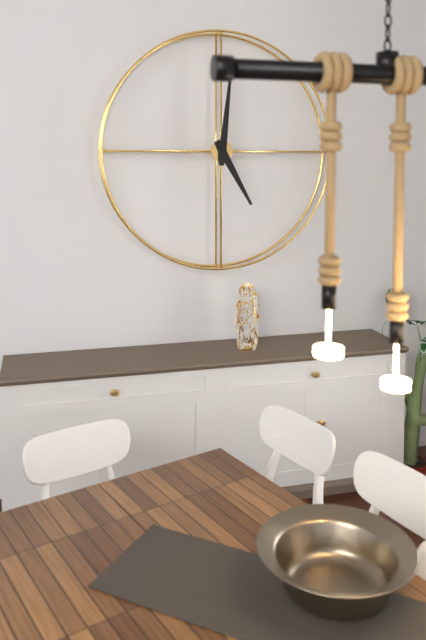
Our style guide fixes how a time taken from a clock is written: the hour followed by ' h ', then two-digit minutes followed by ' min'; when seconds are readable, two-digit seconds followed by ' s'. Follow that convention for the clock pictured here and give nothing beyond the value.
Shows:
5 h 01 min
